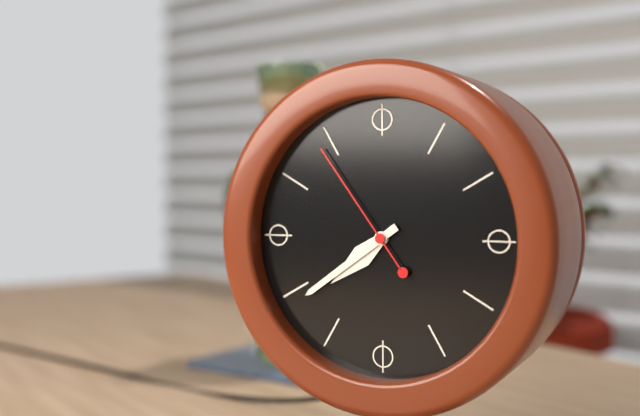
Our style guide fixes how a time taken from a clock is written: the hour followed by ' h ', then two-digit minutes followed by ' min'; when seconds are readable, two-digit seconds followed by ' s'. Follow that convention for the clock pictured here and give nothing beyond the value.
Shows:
7 h 39 min 54 s
